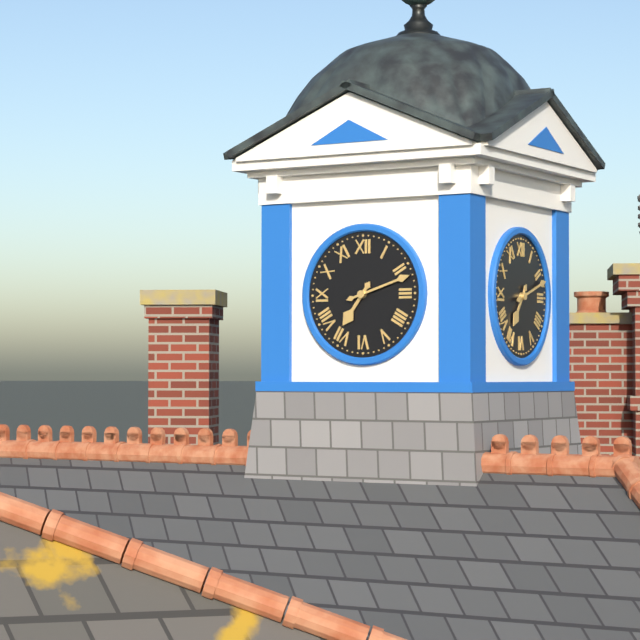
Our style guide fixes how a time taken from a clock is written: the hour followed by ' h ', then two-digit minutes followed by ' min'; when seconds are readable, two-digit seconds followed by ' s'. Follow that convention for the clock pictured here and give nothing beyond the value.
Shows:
7 h 12 min
